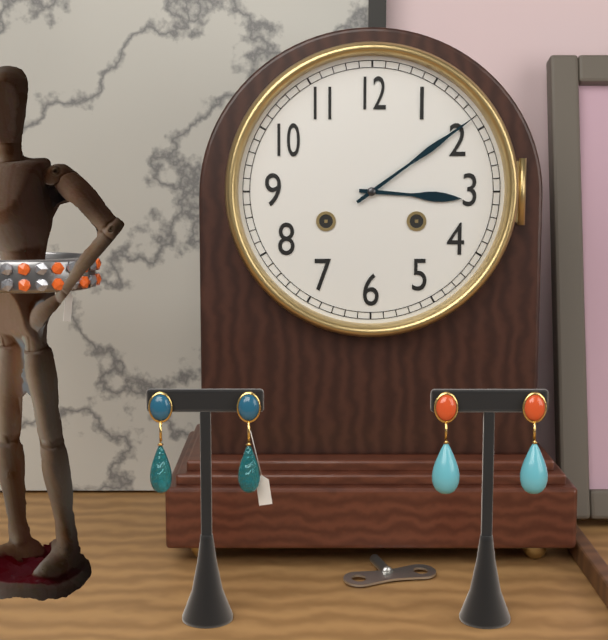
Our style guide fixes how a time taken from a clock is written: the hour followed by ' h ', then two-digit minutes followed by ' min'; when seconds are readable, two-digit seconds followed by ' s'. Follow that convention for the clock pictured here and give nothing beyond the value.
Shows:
3 h 09 min
